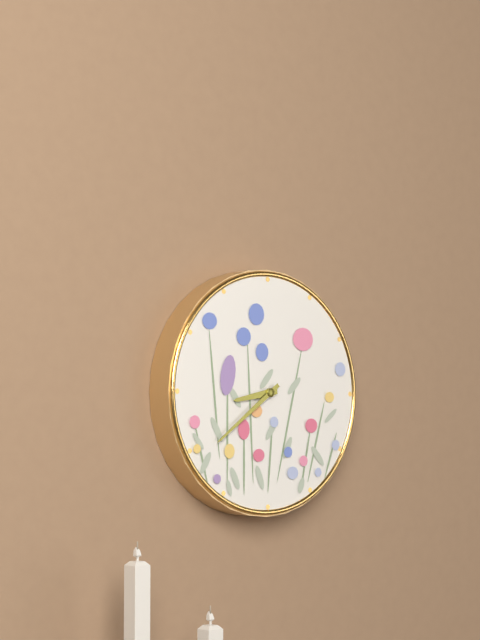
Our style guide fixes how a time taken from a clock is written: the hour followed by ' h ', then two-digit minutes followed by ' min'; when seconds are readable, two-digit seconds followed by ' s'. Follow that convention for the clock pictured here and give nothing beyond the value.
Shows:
8 h 39 min
